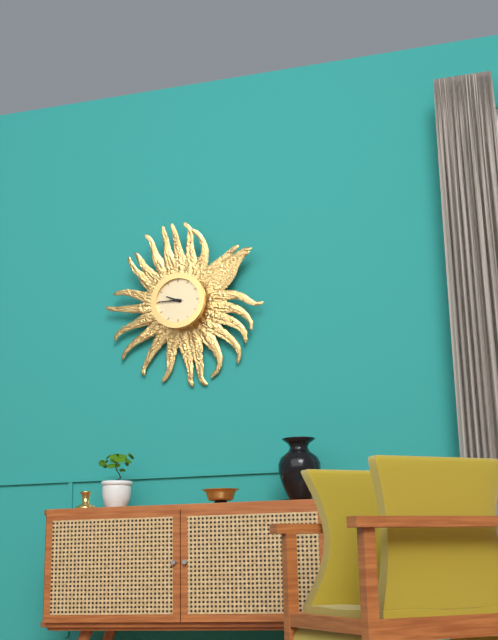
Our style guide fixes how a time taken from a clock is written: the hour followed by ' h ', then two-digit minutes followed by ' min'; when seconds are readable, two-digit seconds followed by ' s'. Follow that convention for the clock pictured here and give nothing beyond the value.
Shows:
9 h 45 min
